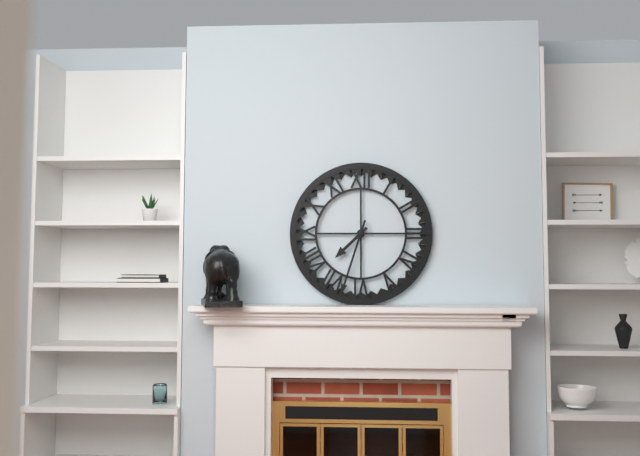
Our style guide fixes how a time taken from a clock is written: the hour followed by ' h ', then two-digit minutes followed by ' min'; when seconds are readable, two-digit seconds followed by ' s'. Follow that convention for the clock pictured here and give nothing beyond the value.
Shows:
7 h 33 min
